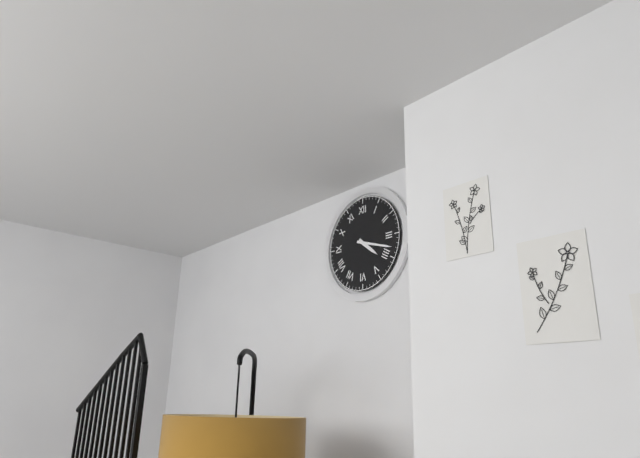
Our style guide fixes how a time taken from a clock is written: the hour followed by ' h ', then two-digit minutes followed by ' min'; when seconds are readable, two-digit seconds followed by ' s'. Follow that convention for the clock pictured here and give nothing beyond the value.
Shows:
4 h 18 min
